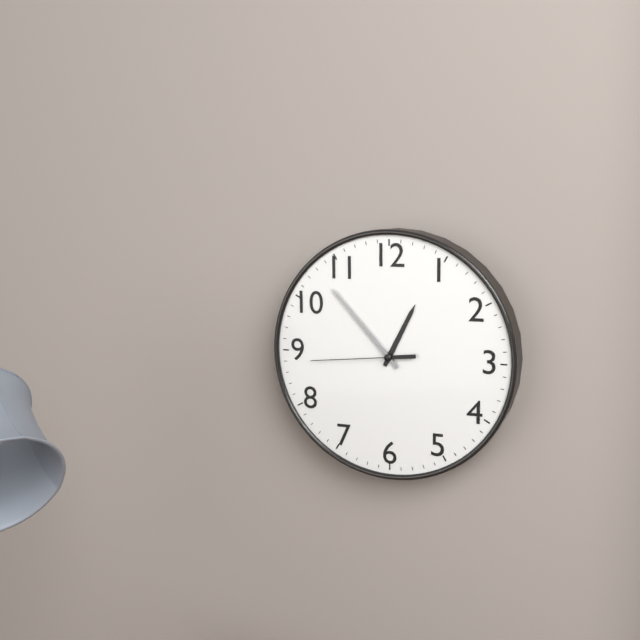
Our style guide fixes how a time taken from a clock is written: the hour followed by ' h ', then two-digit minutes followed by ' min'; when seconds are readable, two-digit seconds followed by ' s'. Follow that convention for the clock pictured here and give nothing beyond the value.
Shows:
12 h 53 min 44 s
